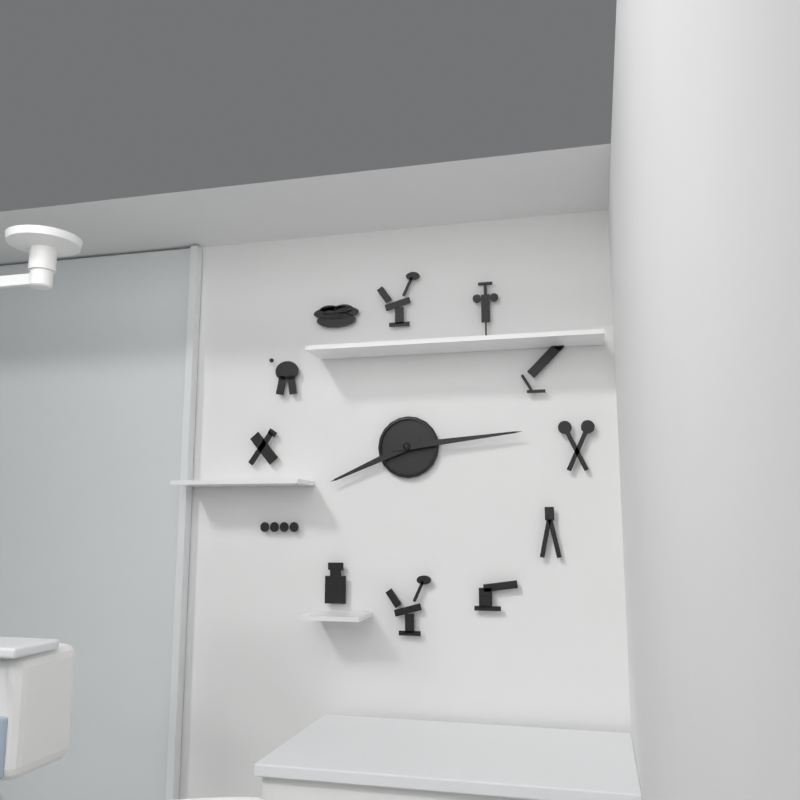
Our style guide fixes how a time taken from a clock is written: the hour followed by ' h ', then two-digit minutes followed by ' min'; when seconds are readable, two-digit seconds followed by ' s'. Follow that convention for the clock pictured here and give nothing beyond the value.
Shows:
8 h 14 min
